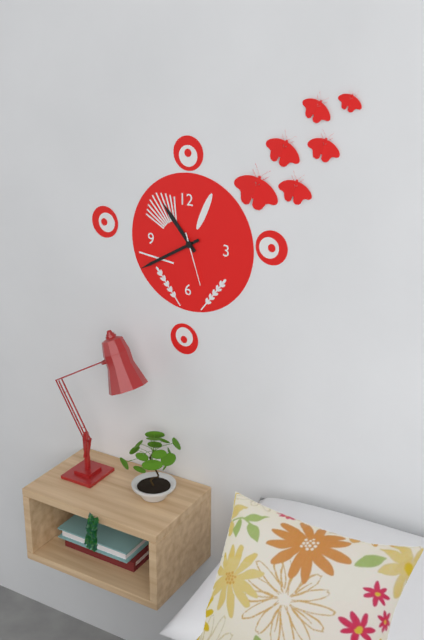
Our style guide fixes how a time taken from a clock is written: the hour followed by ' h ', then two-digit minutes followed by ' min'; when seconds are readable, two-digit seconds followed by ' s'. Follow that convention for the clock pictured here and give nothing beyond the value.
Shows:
10 h 40 min 27 s
